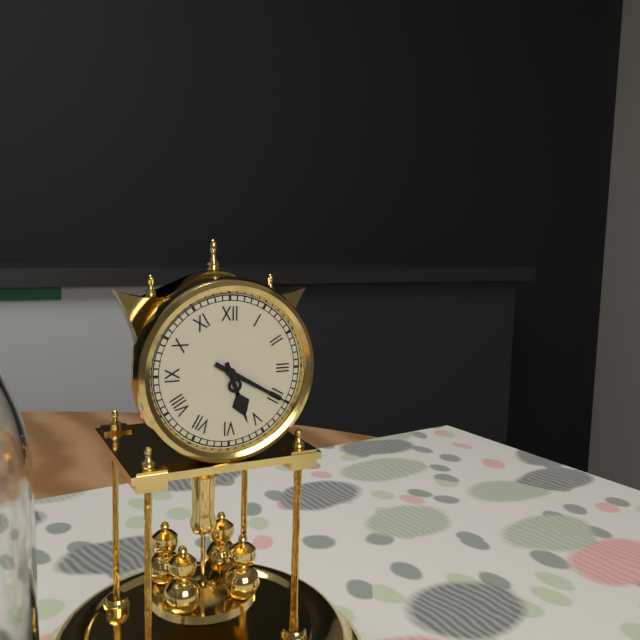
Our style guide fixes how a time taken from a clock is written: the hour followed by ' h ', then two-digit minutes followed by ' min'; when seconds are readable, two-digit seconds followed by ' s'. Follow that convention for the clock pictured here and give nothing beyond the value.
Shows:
5 h 20 min
